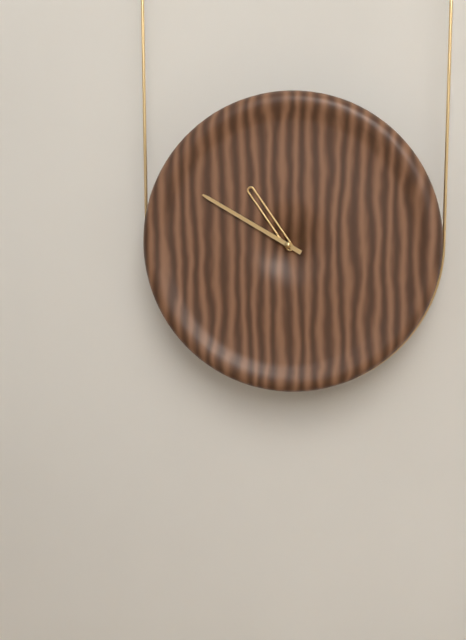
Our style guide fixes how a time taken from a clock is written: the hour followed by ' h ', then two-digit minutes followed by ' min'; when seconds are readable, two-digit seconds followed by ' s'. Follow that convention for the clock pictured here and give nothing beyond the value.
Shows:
10 h 50 min
